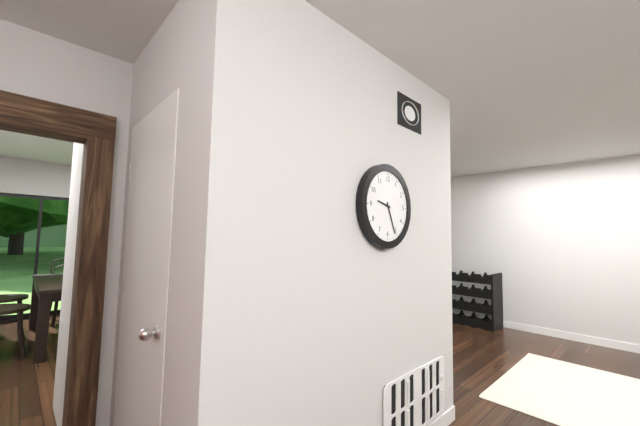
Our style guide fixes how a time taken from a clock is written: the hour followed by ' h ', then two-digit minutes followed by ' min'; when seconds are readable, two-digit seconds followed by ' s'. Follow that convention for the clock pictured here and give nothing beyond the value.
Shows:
9 h 26 min
